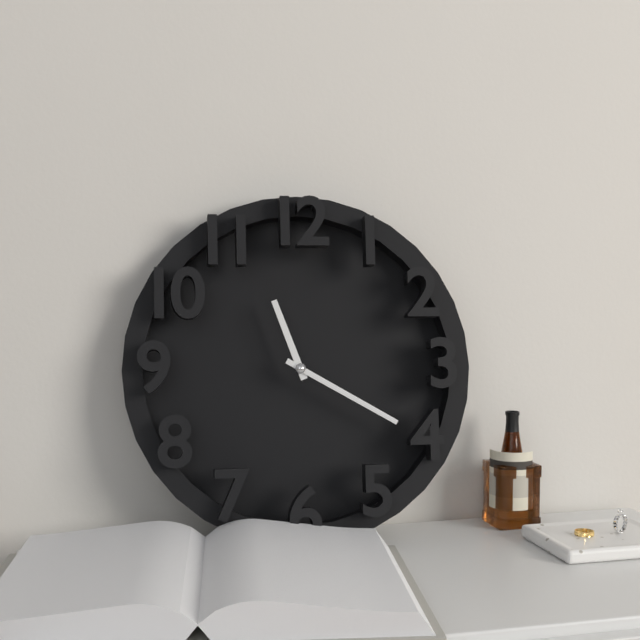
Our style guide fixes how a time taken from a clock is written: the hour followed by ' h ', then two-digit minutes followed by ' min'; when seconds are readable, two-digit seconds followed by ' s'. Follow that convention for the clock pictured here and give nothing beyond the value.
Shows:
11 h 20 min
